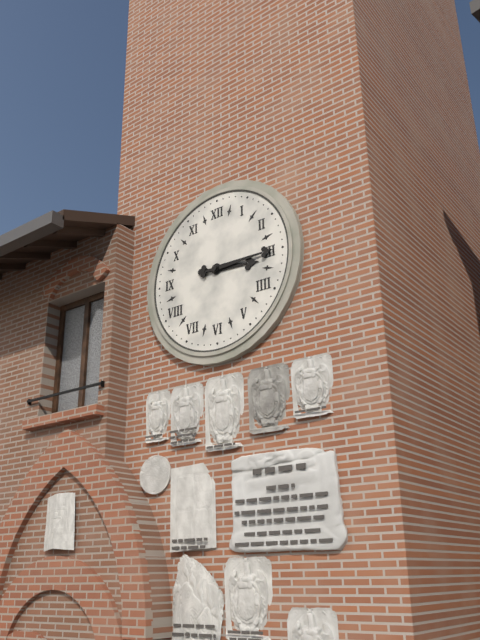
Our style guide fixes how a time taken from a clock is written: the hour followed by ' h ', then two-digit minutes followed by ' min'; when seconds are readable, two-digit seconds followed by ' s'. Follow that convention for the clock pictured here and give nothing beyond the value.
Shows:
3 h 15 min
